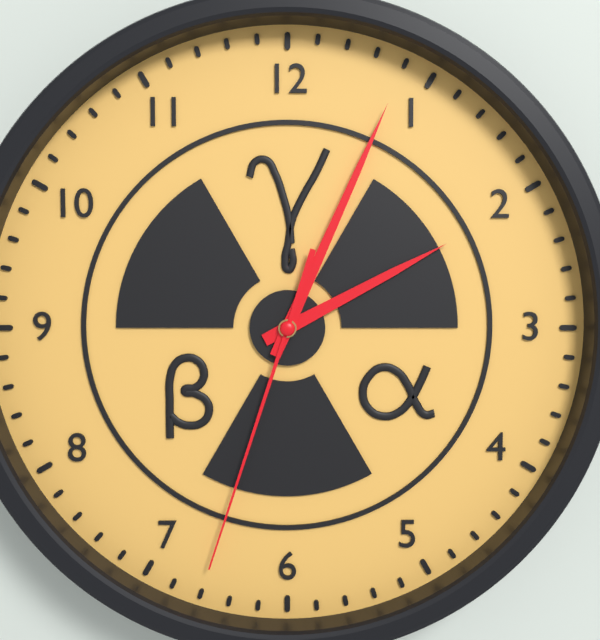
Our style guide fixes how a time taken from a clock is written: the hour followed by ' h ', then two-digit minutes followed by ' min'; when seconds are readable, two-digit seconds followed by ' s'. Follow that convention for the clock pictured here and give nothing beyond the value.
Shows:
2 h 04 min 33 s
